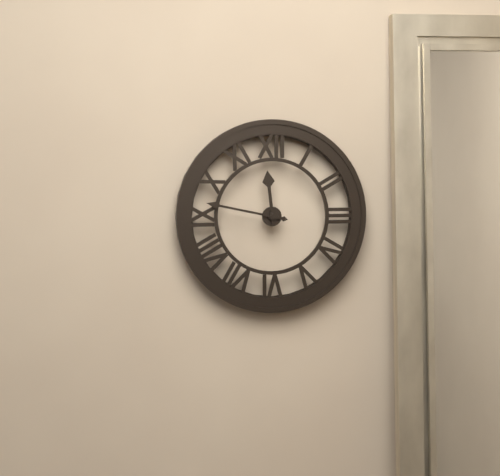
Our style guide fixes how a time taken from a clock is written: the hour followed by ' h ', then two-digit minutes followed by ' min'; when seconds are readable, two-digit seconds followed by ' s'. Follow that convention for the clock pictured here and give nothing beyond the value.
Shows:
11 h 47 min
